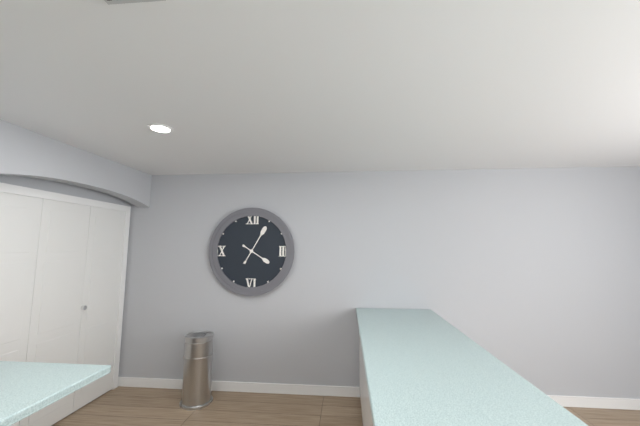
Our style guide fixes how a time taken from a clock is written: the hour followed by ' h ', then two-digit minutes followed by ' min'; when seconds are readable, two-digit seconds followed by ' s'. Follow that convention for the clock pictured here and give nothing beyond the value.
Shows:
4 h 05 min
